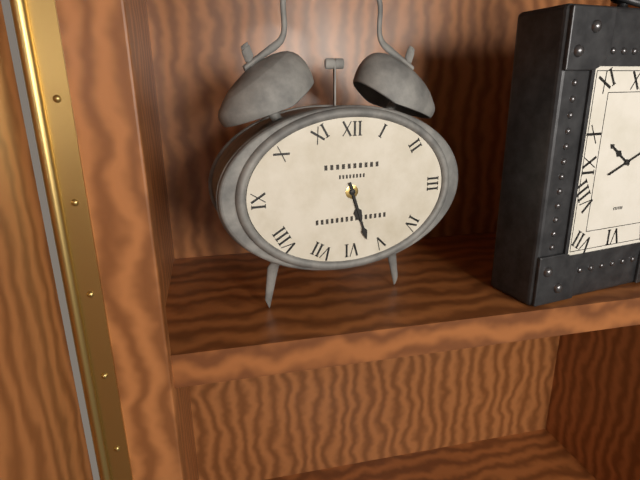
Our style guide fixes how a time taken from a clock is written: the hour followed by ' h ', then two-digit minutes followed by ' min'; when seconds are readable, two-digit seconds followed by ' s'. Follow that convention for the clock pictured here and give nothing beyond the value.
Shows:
5 h 27 min
